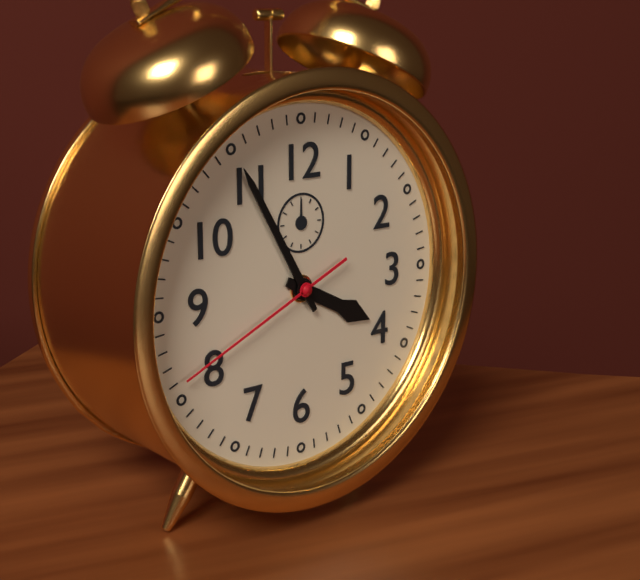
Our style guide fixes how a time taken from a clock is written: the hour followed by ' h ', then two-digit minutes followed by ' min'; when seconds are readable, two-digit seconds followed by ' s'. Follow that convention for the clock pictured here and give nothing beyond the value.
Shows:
3 h 55 min 41 s
